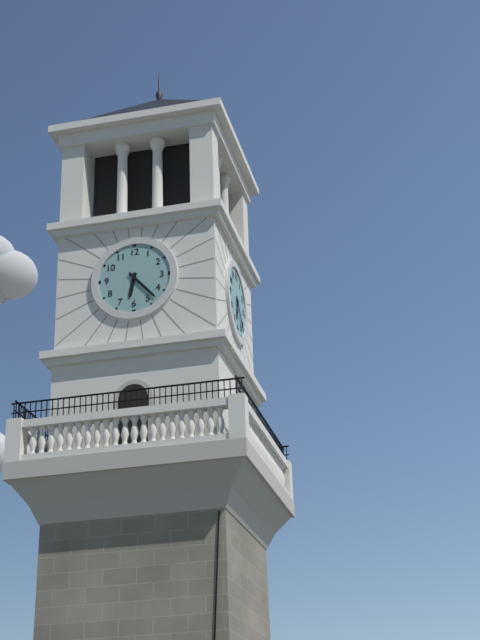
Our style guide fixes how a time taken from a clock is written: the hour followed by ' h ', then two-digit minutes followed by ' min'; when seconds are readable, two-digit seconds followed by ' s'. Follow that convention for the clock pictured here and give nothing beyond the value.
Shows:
6 h 23 min
